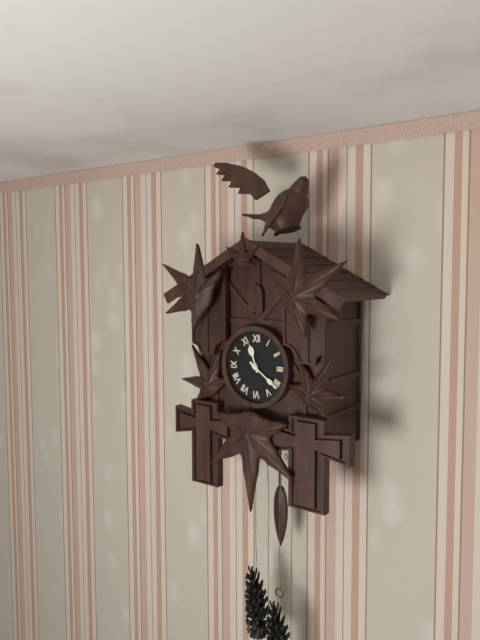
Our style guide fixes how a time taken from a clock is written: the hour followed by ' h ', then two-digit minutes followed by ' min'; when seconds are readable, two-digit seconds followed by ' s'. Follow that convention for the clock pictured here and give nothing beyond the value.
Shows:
11 h 21 min
